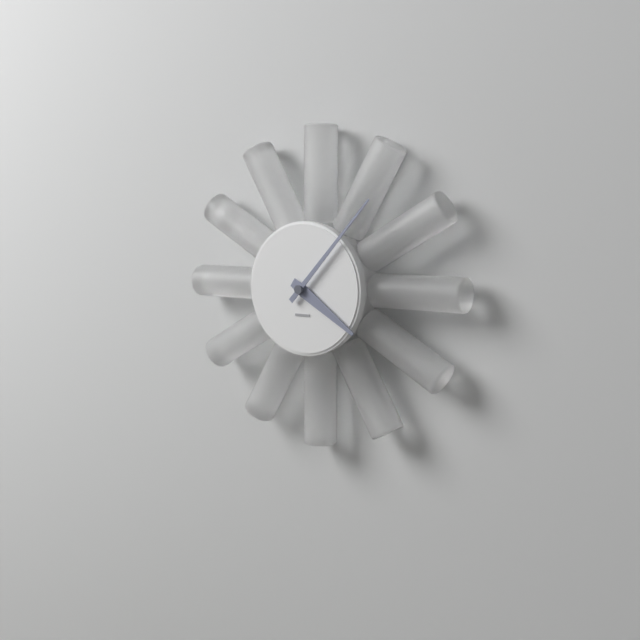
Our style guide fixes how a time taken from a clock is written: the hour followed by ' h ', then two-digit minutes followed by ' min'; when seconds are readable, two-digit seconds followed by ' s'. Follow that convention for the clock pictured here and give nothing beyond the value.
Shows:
4 h 07 min
